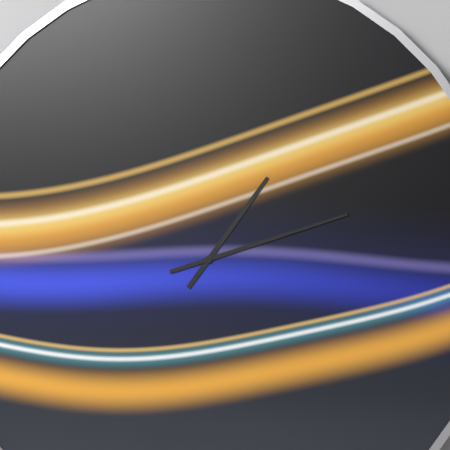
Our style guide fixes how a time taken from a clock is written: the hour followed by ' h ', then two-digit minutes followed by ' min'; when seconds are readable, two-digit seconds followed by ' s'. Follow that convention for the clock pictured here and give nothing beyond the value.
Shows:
1 h 12 min
